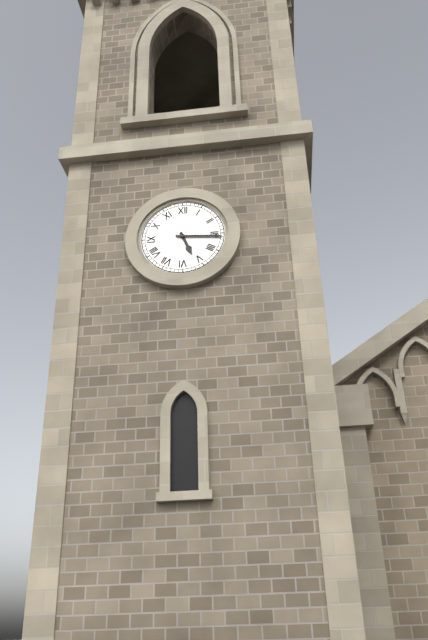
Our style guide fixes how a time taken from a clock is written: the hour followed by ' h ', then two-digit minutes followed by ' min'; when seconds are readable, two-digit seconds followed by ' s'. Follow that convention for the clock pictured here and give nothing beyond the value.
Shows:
5 h 16 min
